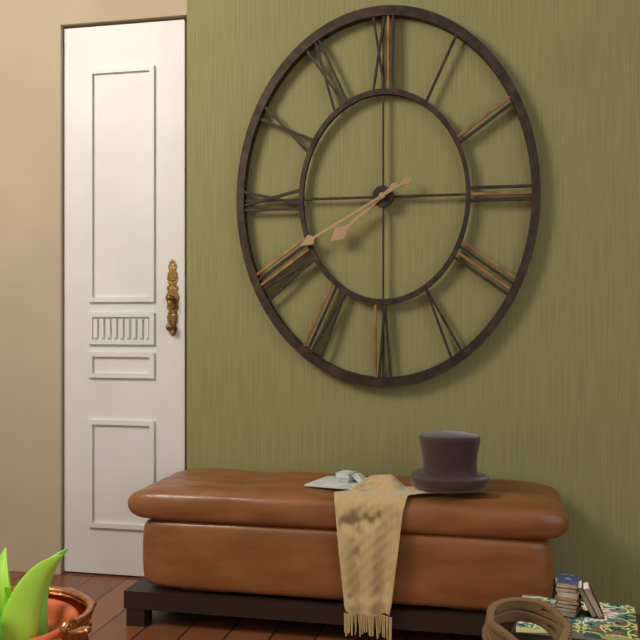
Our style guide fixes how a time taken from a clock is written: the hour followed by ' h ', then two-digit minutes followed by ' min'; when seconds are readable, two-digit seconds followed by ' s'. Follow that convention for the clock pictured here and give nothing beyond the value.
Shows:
7 h 40 min
